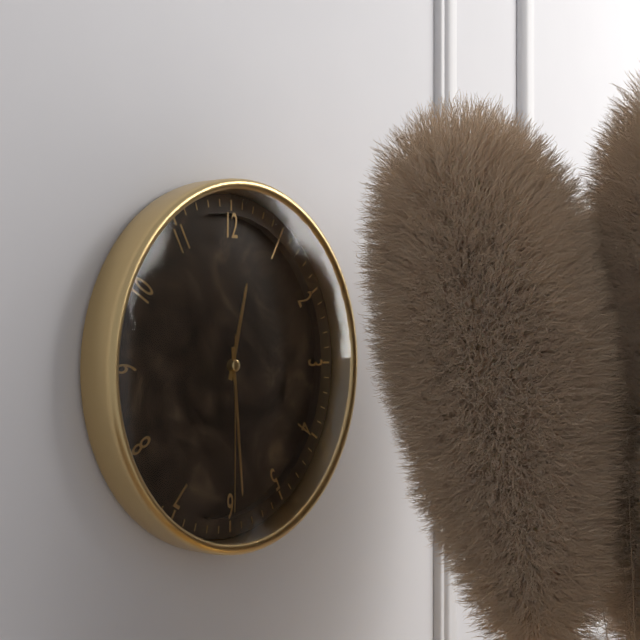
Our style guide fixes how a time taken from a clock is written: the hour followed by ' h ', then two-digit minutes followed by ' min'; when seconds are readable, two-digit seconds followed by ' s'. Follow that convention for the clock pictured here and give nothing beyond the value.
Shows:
12 h 29 min 30 s
